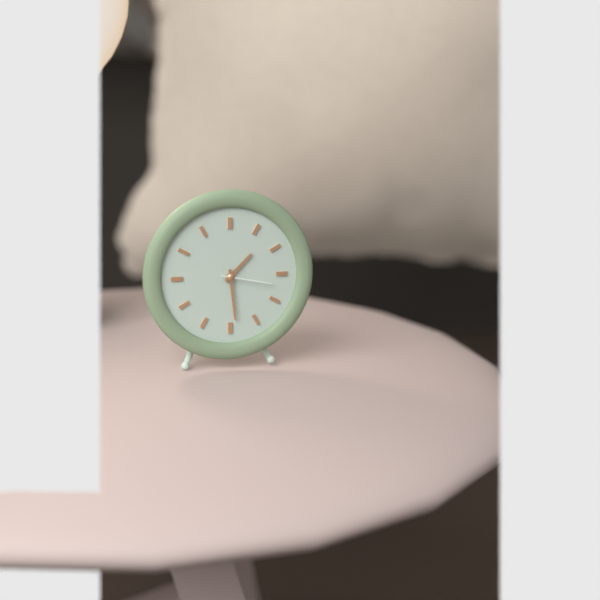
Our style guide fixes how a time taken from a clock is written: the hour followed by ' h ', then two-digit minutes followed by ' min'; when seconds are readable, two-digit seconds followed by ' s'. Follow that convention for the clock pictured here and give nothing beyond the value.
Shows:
1 h 29 min 17 s
